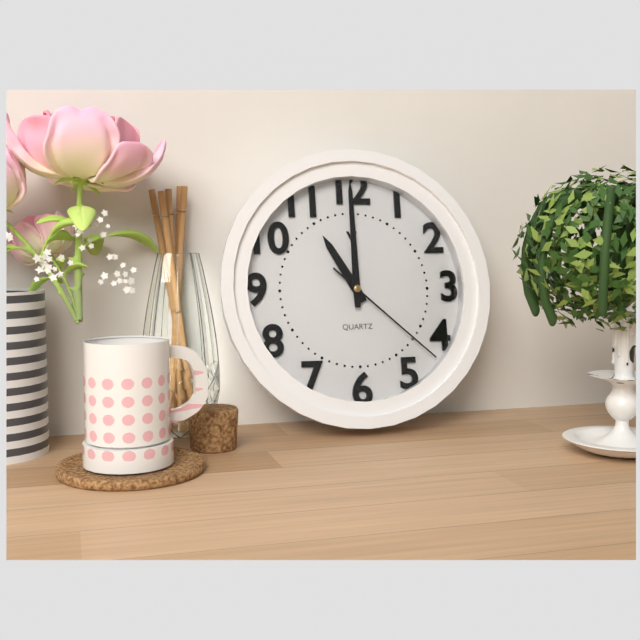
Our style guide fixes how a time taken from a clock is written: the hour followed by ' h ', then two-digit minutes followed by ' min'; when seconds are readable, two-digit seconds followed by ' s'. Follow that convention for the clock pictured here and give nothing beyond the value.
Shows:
11 h 00 min 22 s
